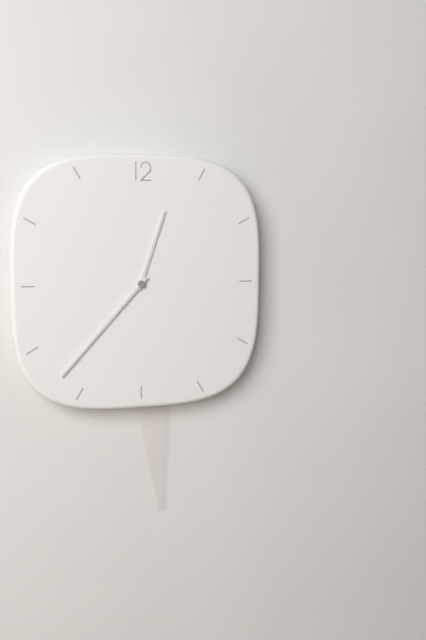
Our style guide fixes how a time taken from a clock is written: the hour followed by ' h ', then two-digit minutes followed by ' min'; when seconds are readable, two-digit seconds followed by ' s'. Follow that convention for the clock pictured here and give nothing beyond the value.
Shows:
12 h 37 min
